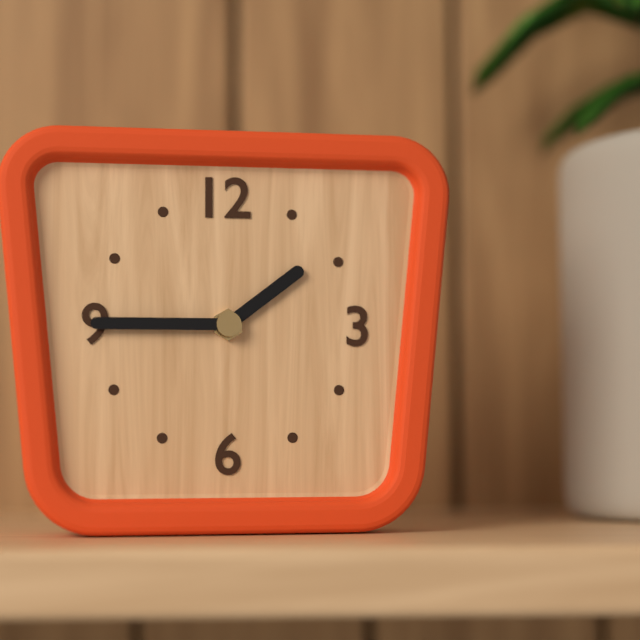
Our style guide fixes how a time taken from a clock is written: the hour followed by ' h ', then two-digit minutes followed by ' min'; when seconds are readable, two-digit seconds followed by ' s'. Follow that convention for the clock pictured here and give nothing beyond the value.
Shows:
1 h 45 min
